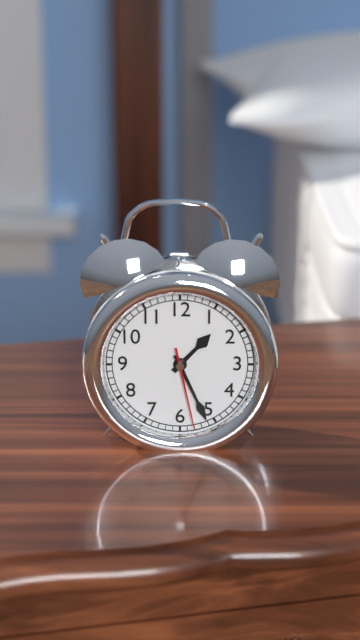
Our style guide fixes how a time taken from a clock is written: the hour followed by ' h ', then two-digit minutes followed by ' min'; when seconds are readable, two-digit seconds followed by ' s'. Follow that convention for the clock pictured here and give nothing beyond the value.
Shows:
1 h 26 min 28 s
